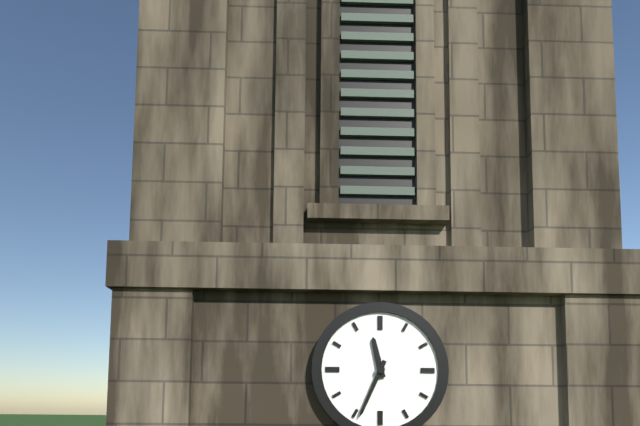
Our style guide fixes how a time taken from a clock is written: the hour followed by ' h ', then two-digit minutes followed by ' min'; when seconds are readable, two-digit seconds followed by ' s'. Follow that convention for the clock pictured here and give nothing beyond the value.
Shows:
11 h 34 min
